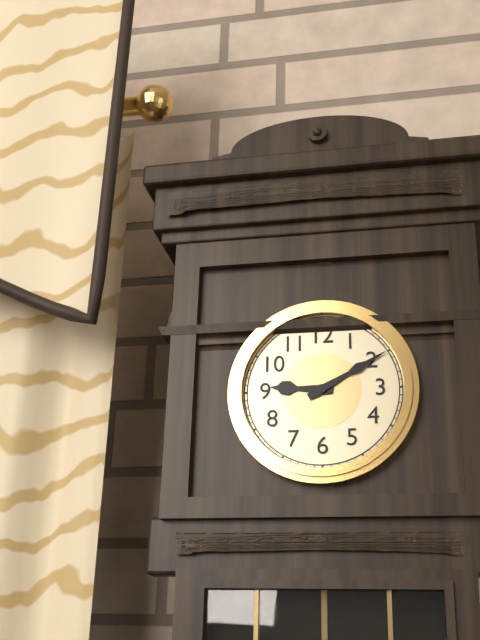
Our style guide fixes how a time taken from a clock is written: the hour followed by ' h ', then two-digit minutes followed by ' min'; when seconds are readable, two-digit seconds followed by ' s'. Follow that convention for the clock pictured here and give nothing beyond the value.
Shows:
9 h 10 min
